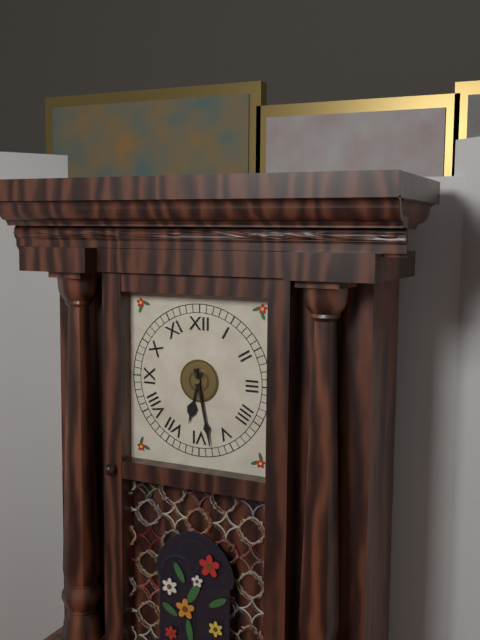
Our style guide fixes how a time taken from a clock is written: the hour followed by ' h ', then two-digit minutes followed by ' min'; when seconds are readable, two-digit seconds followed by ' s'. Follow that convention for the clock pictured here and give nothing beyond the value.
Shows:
6 h 28 min
